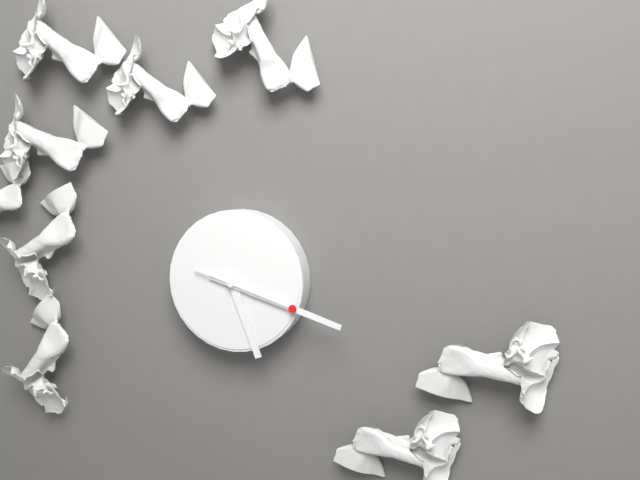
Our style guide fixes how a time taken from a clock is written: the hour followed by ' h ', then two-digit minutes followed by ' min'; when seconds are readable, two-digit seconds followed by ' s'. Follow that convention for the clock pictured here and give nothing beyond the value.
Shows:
5 h 18 min 18 s
